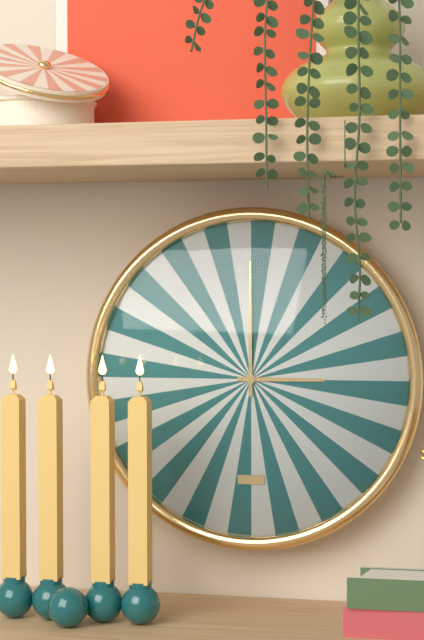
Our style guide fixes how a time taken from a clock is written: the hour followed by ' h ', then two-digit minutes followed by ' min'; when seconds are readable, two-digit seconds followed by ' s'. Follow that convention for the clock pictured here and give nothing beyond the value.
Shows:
3 h 00 min
